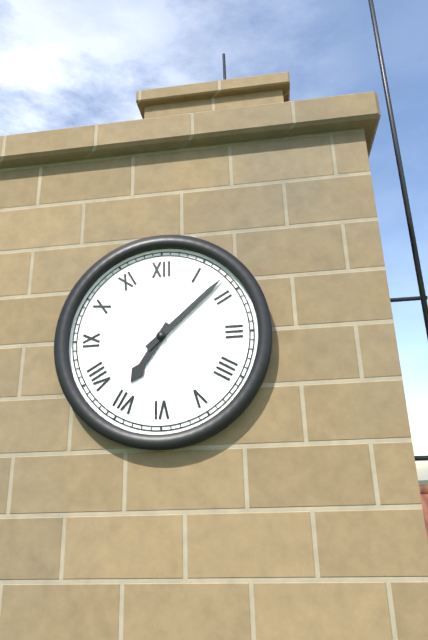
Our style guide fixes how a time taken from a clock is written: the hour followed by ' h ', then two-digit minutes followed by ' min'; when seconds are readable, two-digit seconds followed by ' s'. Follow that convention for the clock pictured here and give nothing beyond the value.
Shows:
7 h 08 min
